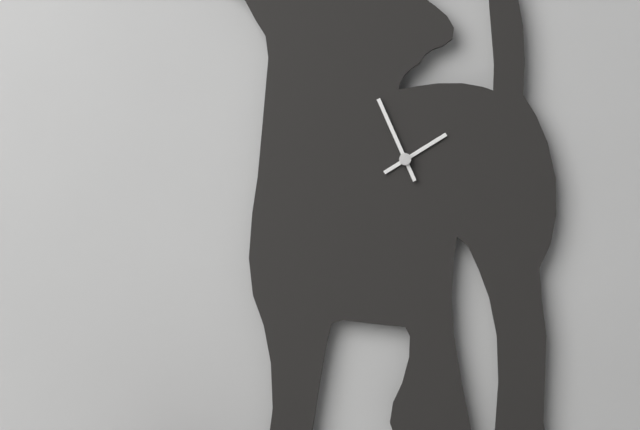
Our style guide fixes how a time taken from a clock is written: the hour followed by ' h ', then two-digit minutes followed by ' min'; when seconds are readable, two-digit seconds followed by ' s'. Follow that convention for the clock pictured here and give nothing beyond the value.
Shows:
1 h 56 min
